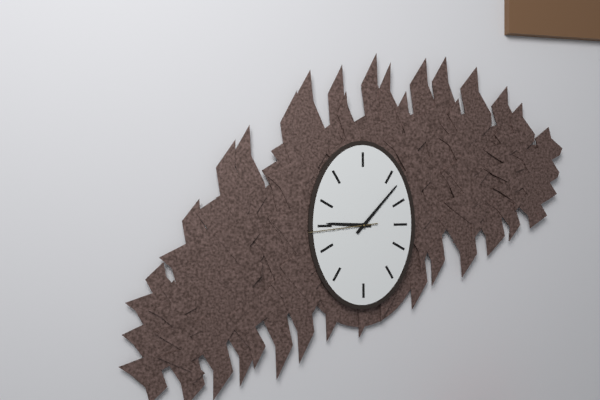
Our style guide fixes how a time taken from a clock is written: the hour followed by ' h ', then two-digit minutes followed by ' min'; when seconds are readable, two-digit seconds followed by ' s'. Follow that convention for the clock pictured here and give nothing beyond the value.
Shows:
9 h 07 min 44 s
